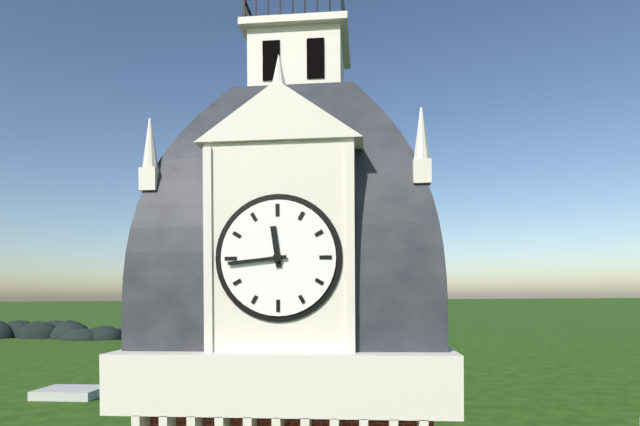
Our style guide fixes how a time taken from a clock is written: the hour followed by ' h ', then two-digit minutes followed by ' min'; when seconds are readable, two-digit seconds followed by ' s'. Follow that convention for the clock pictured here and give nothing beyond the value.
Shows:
11 h 44 min
